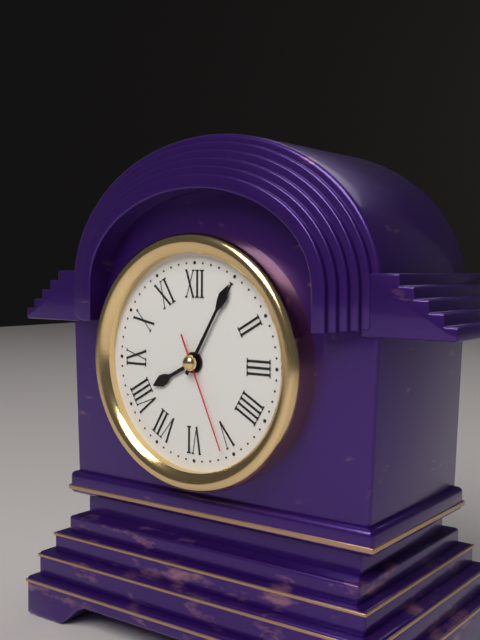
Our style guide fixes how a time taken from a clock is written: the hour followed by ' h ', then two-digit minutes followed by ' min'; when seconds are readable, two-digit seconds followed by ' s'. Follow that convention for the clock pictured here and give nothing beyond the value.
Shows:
8 h 05 min 26 s
